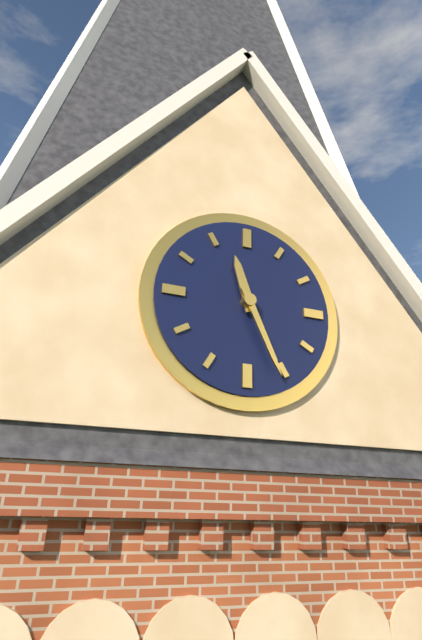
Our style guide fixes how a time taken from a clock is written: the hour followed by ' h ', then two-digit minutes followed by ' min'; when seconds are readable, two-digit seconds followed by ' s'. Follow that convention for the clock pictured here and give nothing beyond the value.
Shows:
11 h 26 min
